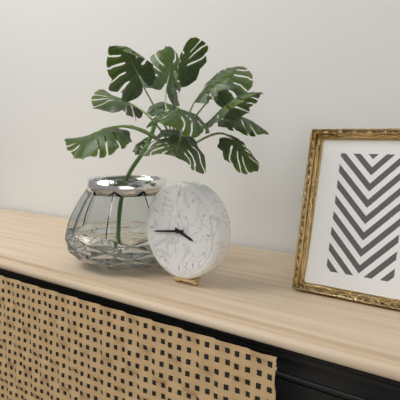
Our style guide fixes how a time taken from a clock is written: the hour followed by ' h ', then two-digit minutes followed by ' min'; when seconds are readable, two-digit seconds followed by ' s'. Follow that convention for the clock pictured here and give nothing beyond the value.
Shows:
3 h 44 min
